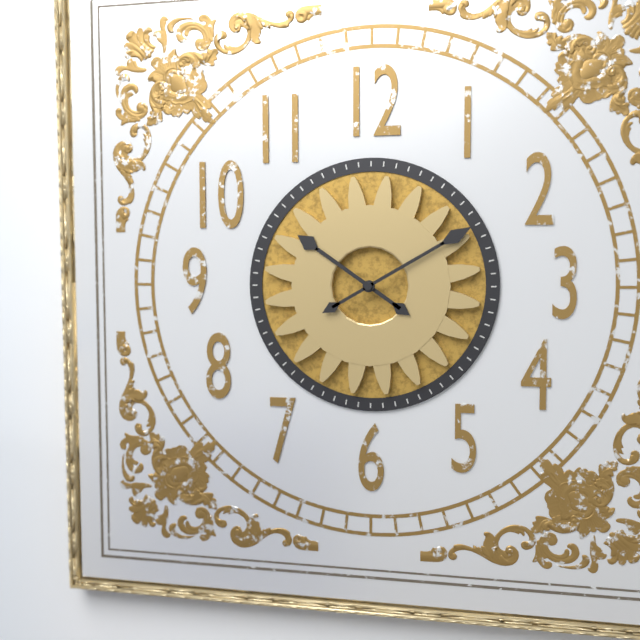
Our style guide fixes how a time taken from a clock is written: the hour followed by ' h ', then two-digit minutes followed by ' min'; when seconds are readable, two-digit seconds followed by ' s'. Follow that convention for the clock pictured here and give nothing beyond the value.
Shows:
10 h 10 min
